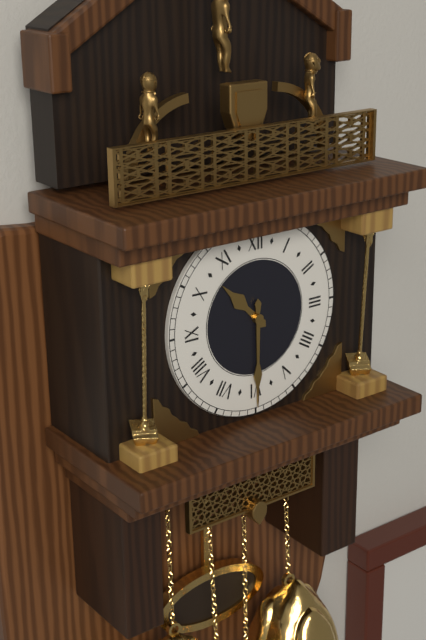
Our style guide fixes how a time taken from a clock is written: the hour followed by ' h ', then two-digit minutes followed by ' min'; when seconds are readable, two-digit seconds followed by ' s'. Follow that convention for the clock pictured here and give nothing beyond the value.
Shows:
10 h 30 min
